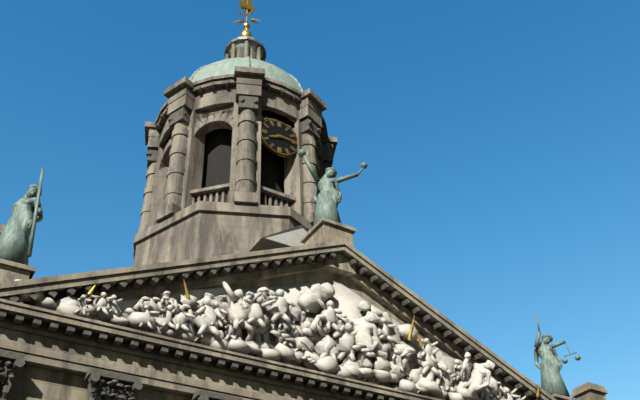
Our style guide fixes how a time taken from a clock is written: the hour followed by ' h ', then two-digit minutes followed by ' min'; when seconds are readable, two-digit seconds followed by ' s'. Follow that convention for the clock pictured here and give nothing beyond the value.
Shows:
8 h 15 min
